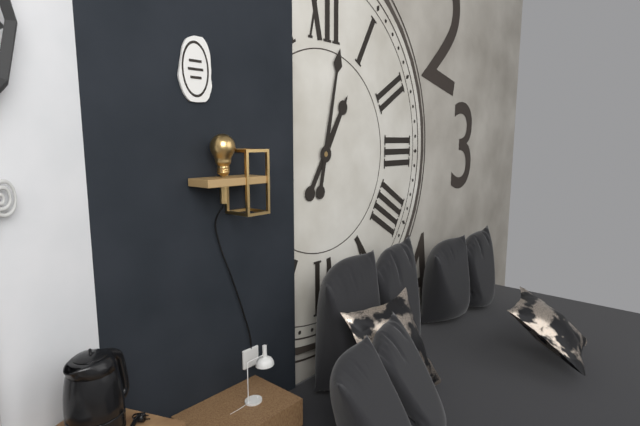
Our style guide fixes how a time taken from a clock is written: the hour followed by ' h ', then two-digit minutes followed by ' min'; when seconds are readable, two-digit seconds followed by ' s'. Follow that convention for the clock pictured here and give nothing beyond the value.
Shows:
1 h 02 min
